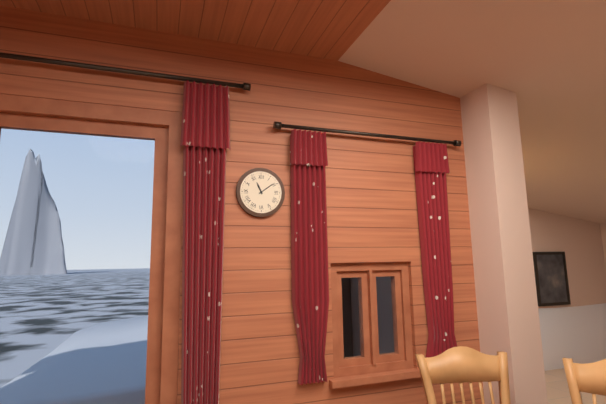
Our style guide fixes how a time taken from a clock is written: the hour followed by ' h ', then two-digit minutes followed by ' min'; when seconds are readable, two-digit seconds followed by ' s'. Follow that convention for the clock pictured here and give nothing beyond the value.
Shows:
11 h 09 min
